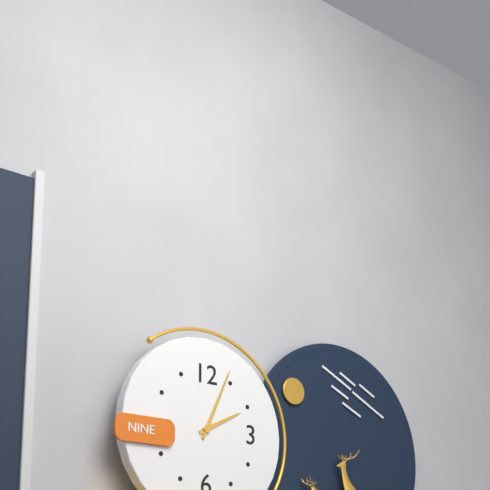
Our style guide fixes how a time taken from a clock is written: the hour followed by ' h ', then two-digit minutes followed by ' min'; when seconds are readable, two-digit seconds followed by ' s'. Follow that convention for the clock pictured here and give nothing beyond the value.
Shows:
2 h 04 min
